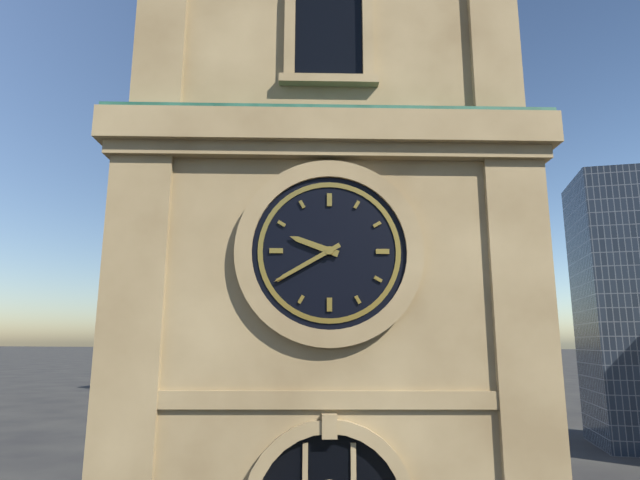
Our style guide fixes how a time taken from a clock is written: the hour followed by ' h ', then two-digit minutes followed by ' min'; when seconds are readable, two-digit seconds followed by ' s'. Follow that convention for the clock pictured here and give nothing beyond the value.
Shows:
9 h 40 min
